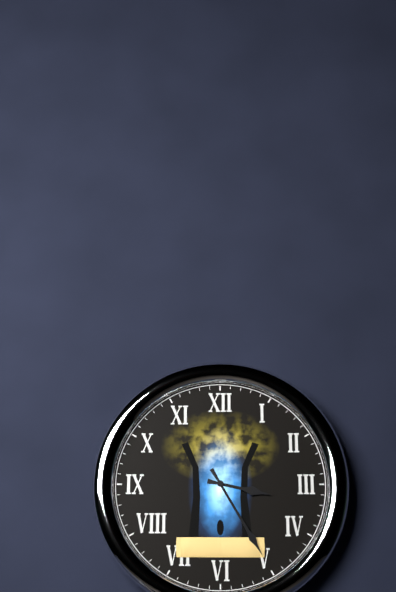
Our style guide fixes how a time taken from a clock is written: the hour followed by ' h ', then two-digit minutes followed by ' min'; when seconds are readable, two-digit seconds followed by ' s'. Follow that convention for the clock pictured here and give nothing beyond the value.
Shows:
3 h 25 min
